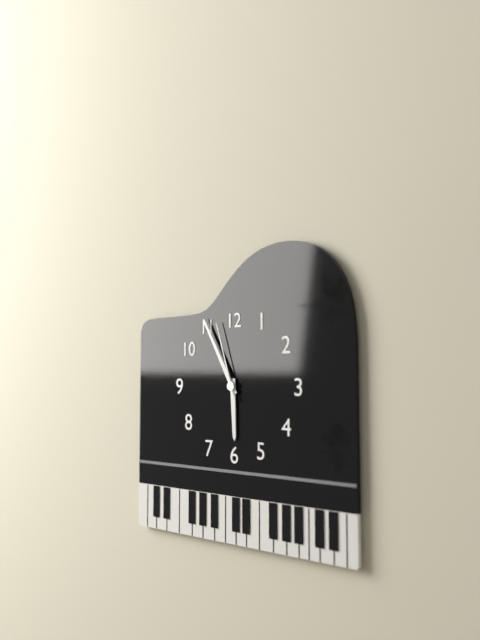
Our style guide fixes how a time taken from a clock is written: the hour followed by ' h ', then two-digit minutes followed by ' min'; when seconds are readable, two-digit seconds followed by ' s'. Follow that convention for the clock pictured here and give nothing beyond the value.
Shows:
5 h 55 min 57 s
